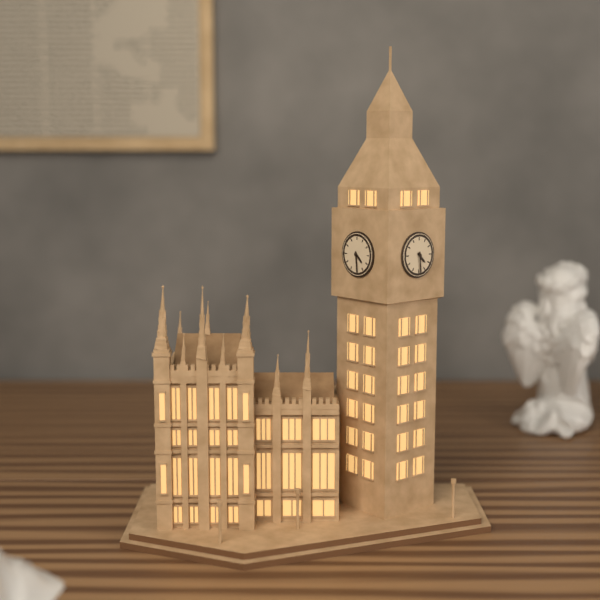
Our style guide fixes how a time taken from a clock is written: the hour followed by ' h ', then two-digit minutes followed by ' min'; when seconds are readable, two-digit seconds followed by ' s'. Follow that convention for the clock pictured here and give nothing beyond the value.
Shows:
4 h 29 min
